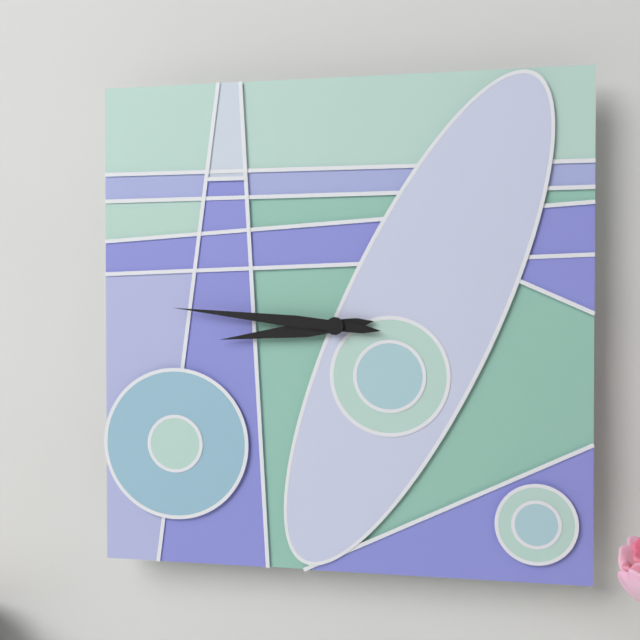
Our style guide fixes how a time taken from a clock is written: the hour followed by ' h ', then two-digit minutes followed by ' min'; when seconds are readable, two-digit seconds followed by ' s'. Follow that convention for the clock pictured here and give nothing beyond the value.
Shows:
8 h 46 min
